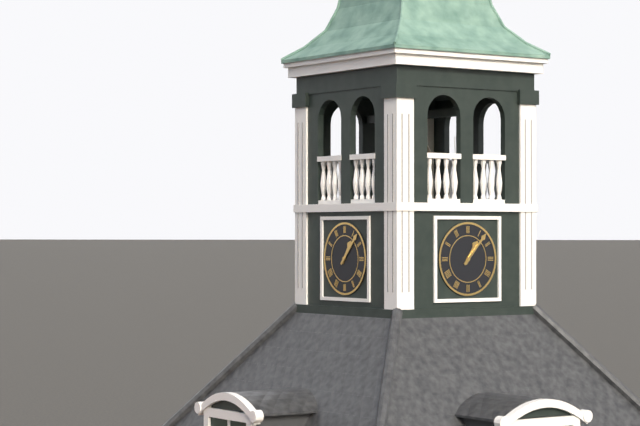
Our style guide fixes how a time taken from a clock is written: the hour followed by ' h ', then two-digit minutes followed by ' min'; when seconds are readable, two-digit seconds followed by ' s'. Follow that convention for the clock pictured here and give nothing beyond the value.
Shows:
1 h 07 min
